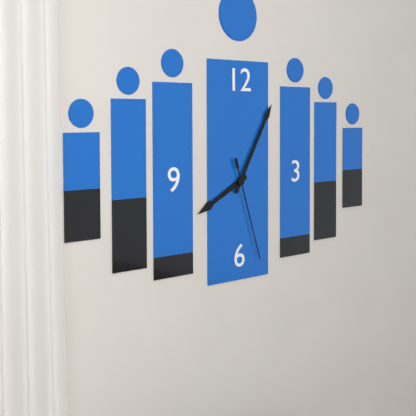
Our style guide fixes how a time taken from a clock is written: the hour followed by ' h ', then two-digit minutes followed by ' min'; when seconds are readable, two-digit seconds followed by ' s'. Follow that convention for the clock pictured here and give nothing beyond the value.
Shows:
8 h 05 min 27 s
